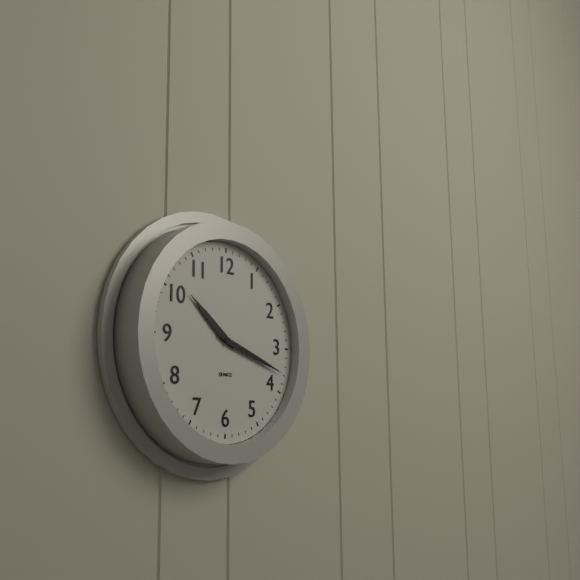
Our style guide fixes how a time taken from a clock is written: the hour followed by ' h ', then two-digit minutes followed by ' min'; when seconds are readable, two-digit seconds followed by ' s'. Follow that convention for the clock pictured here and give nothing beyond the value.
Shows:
10 h 18 min
